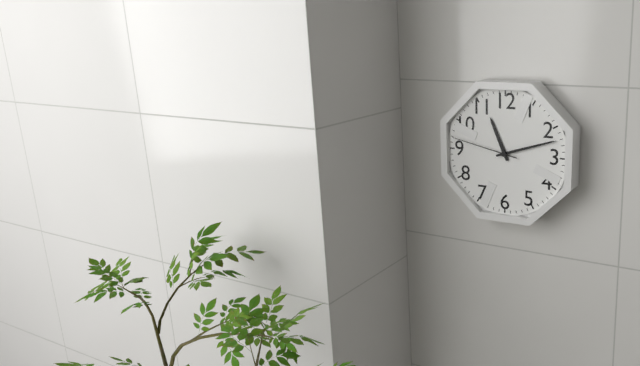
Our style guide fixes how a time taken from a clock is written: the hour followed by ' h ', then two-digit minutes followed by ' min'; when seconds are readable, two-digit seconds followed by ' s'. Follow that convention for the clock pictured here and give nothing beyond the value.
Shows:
11 h 12 min 47 s
